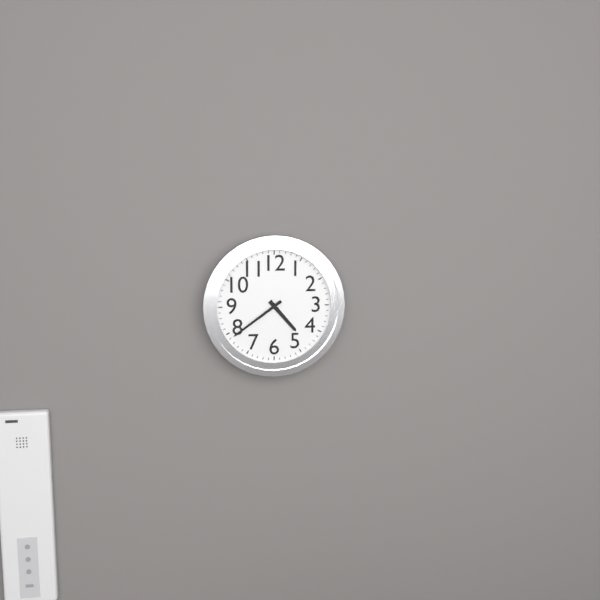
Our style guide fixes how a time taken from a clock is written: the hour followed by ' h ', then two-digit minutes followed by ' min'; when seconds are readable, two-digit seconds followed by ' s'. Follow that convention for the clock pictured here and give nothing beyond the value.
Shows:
4 h 39 min
